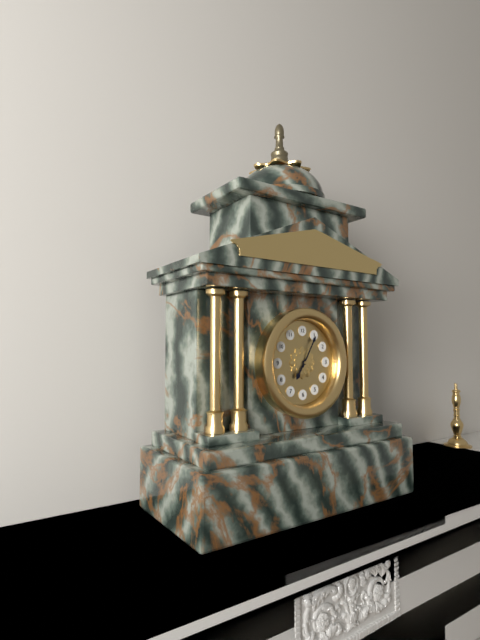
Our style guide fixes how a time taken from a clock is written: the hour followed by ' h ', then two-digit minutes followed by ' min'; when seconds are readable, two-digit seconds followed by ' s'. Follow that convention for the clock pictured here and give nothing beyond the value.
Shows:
7 h 05 min
